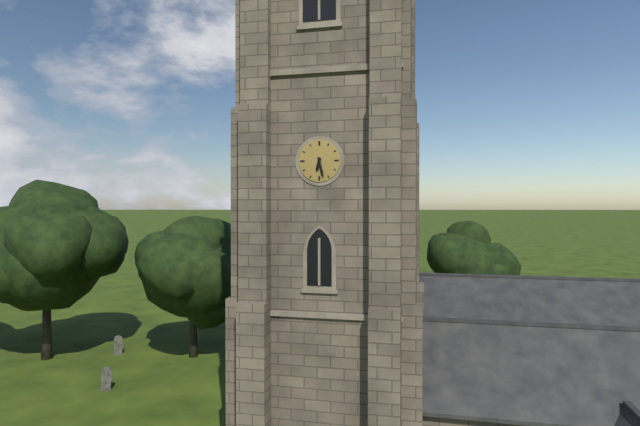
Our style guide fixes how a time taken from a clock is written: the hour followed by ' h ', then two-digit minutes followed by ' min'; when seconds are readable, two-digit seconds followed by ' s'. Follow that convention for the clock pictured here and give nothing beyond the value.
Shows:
6 h 28 min
